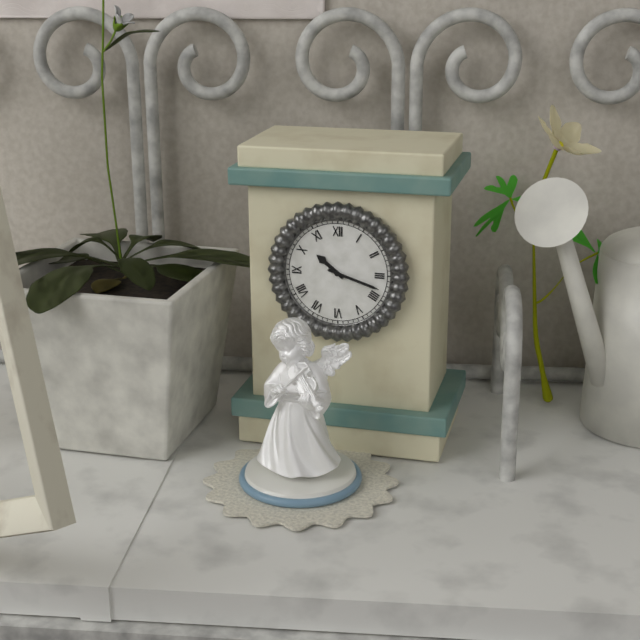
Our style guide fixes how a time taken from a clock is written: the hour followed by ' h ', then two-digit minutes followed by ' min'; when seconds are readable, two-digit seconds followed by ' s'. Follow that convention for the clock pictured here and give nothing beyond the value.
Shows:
10 h 18 min
